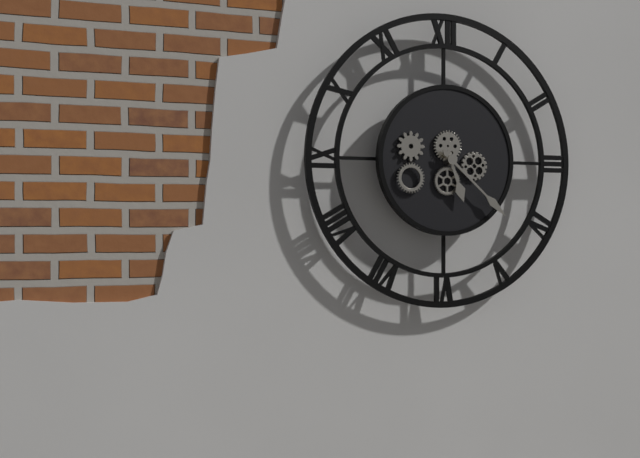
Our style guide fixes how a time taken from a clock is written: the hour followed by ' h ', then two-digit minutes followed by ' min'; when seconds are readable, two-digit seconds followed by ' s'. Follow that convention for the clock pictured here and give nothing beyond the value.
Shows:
5 h 22 min
